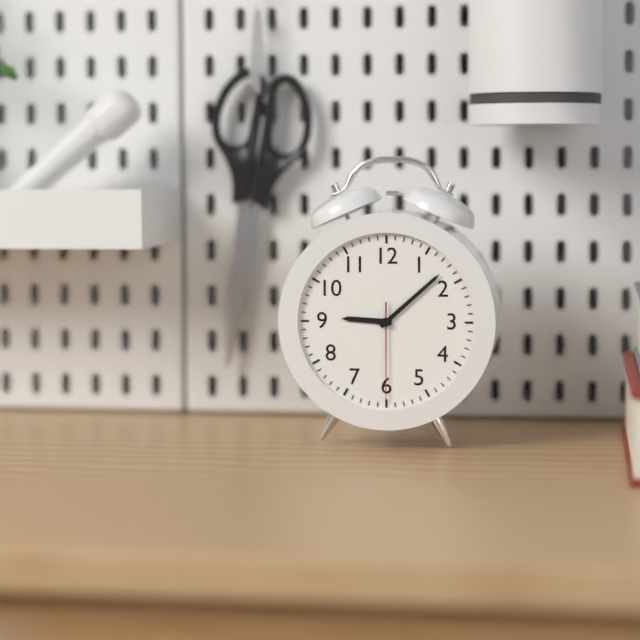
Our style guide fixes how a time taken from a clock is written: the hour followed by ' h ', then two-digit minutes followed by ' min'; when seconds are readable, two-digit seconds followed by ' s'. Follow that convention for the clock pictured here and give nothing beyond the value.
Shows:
9 h 08 min 30 s
